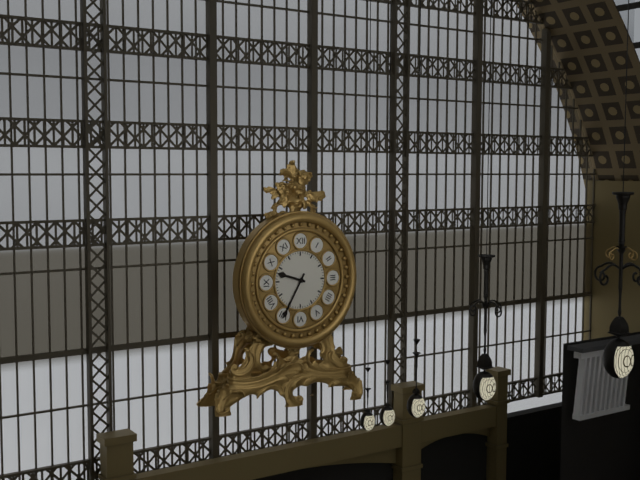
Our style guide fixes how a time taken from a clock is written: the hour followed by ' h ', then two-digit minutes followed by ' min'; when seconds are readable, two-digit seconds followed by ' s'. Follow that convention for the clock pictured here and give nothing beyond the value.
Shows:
9 h 35 min
